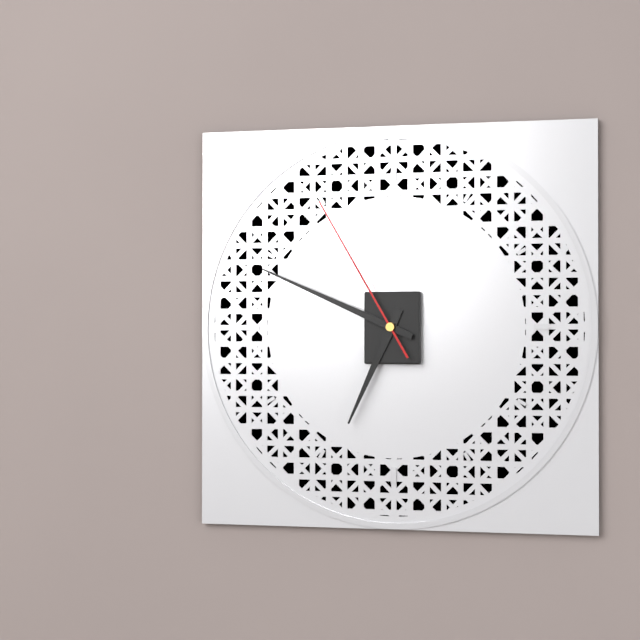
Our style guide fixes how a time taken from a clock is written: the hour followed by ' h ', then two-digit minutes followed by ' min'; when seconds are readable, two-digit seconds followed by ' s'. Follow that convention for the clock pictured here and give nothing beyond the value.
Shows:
6 h 49 min 55 s
